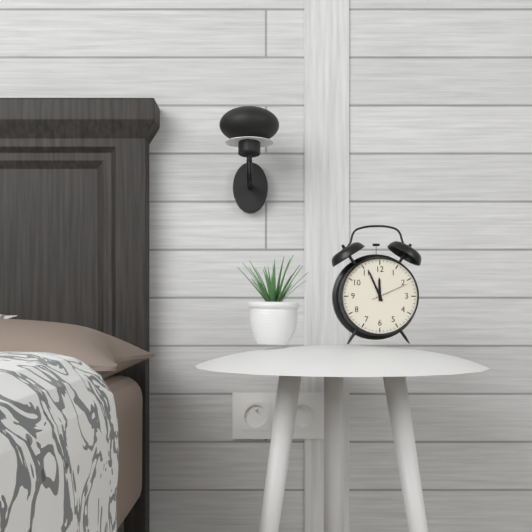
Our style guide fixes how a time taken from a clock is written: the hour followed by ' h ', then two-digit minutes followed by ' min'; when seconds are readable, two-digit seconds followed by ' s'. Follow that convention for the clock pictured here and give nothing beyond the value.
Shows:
11 h 56 min
